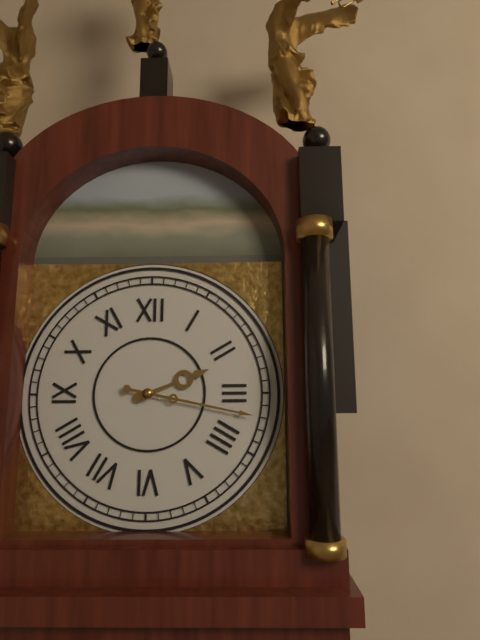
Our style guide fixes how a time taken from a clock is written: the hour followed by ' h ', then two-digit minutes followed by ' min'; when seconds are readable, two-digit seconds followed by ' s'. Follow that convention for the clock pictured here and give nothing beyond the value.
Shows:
2 h 17 min
